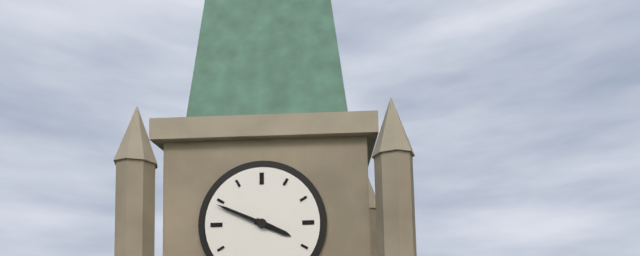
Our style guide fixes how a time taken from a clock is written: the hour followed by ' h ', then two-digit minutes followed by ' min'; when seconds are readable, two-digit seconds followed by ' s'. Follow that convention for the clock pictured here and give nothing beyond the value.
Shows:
3 h 49 min
